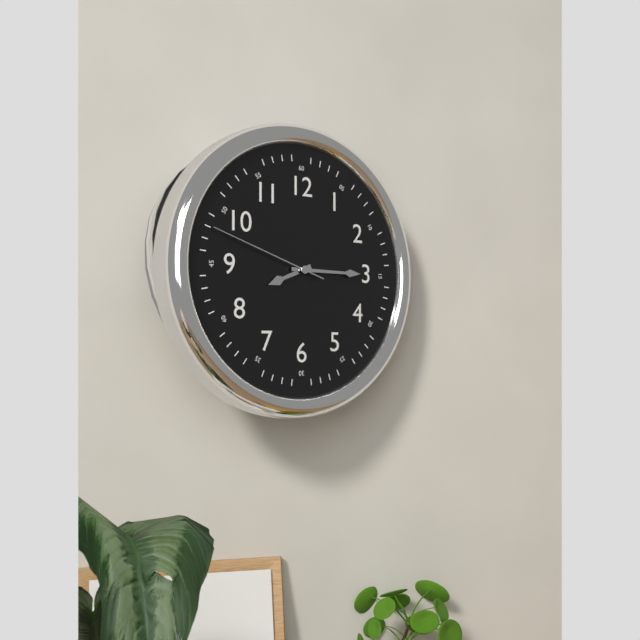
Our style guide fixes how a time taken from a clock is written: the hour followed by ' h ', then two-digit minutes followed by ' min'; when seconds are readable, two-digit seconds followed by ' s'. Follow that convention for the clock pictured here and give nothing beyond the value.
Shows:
8 h 15 min 48 s
